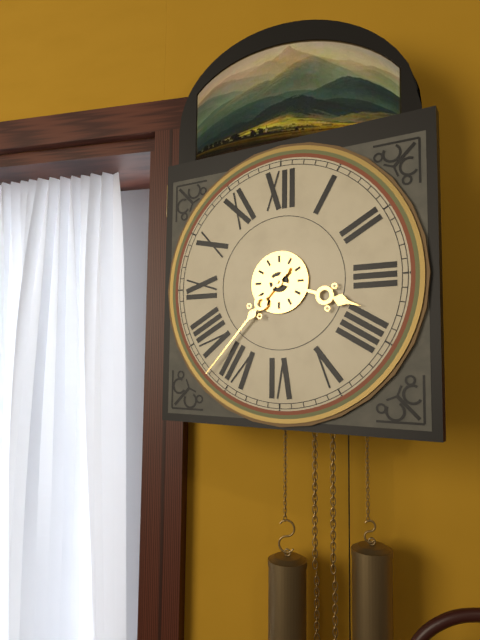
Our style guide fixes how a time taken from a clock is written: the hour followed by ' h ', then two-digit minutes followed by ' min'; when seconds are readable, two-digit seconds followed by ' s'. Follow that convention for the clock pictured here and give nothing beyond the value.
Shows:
3 h 37 min
